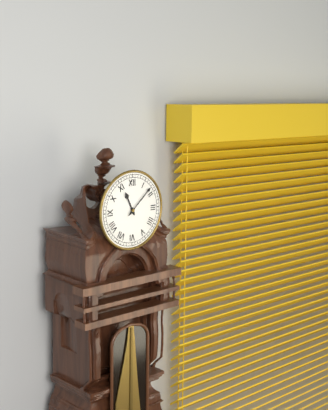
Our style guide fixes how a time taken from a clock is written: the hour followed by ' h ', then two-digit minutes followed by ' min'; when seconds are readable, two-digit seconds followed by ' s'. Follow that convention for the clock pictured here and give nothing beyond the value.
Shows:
11 h 08 min
